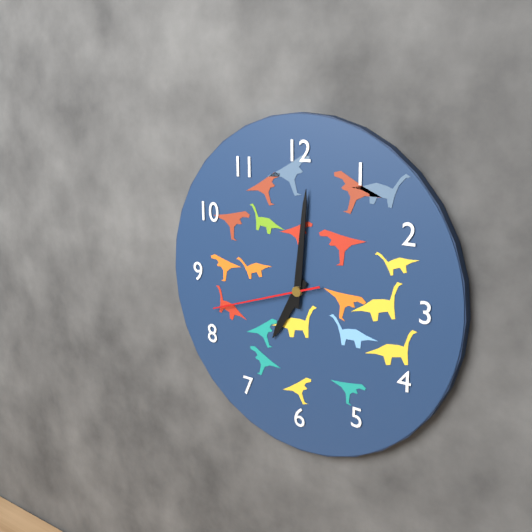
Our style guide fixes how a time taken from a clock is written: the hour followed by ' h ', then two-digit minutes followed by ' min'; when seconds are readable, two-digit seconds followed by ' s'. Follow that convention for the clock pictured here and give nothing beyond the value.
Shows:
7 h 01 min 42 s
